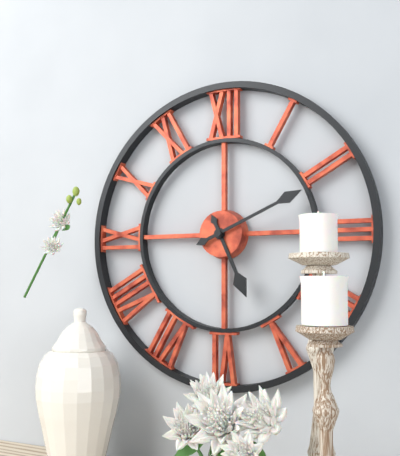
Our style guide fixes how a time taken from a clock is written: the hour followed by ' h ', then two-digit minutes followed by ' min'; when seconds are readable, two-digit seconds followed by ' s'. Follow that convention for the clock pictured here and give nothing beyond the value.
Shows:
5 h 11 min
